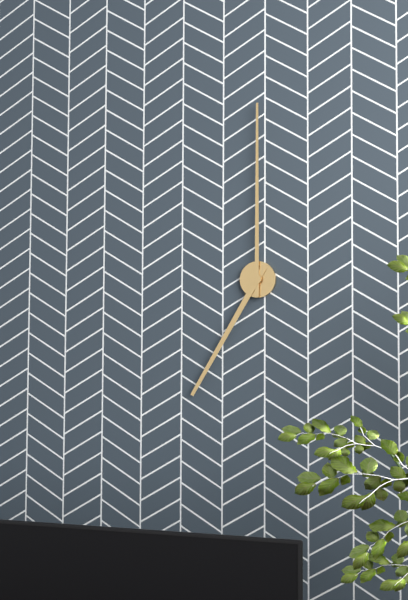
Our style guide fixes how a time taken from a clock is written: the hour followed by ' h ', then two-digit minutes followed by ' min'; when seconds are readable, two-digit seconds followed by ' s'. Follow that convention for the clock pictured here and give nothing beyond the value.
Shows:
7 h 00 min
